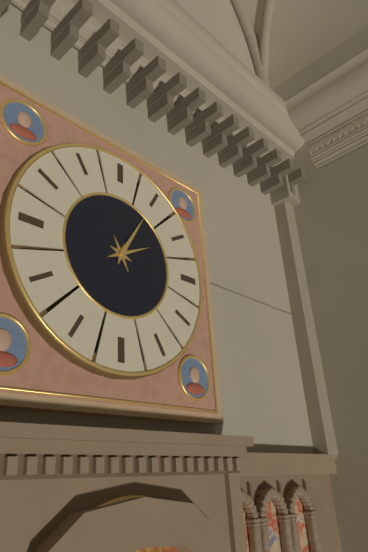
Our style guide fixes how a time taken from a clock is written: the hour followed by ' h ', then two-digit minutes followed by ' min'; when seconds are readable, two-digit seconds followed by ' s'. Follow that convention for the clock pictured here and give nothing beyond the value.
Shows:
2 h 05 min
